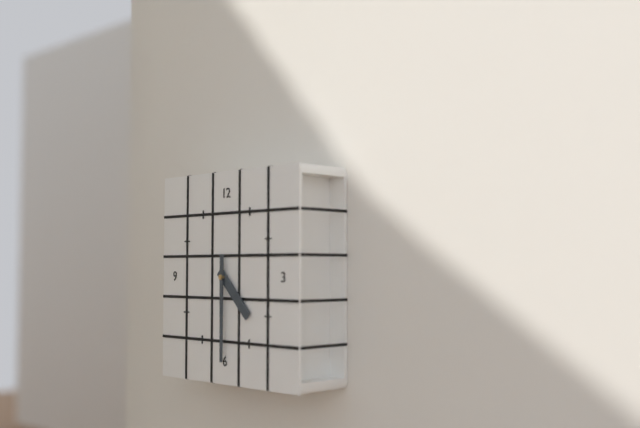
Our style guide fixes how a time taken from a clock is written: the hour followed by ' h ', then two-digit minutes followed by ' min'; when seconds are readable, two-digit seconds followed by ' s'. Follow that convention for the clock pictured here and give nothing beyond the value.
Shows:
4 h 30 min
